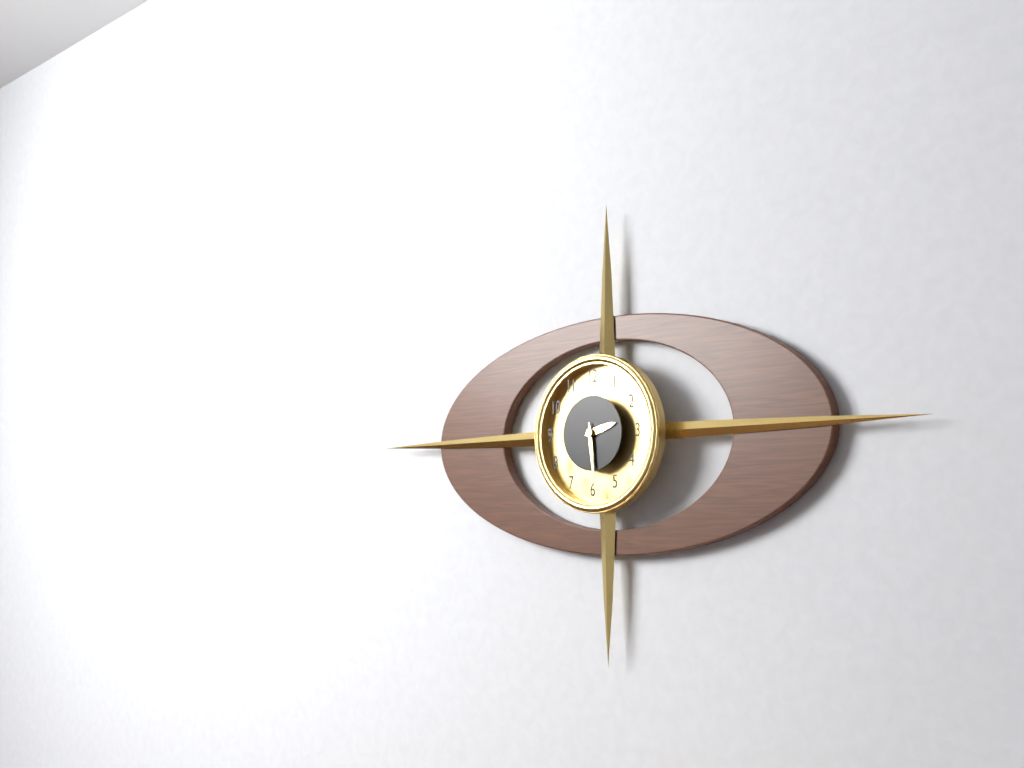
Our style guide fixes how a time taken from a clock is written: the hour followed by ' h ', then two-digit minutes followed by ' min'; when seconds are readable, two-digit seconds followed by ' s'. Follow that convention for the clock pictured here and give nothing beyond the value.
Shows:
2 h 29 min
